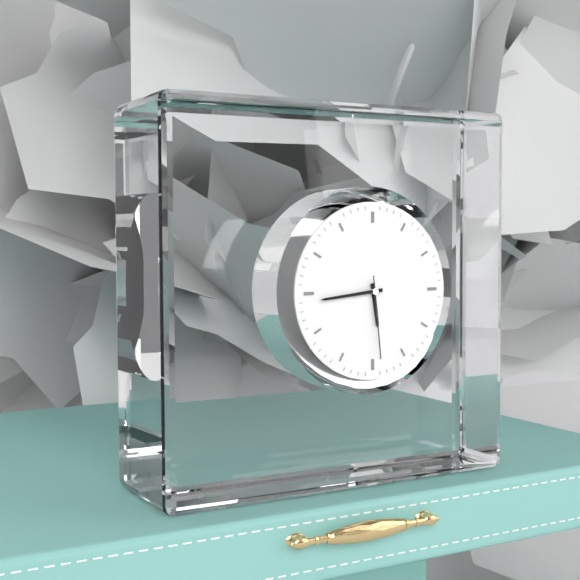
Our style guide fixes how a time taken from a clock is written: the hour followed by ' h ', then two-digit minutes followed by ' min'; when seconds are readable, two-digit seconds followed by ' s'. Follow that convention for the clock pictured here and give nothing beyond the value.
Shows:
5 h 44 min 29 s
